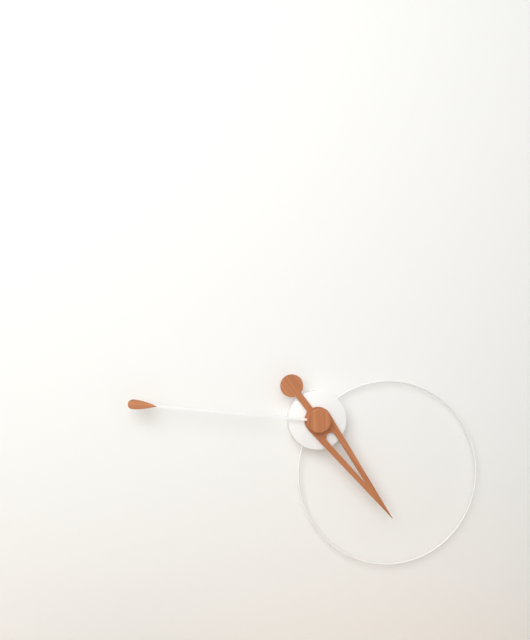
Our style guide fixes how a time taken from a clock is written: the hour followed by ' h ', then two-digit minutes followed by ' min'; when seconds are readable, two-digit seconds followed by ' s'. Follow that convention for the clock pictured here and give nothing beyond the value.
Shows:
4 h 46 min
